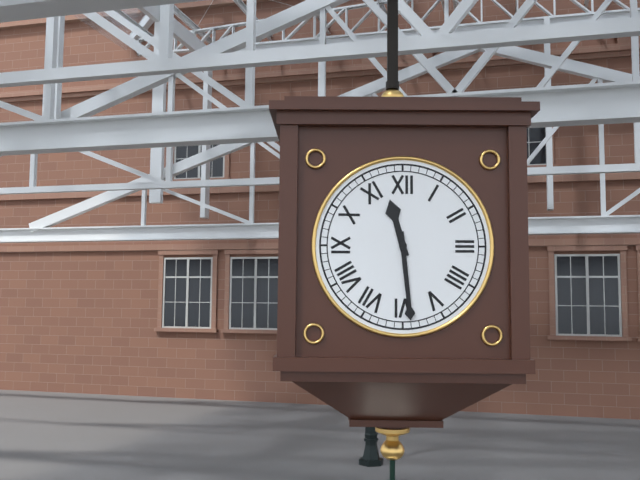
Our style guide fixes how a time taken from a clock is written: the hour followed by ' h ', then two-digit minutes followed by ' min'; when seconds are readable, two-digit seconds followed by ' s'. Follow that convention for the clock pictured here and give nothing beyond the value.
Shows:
11 h 29 min
